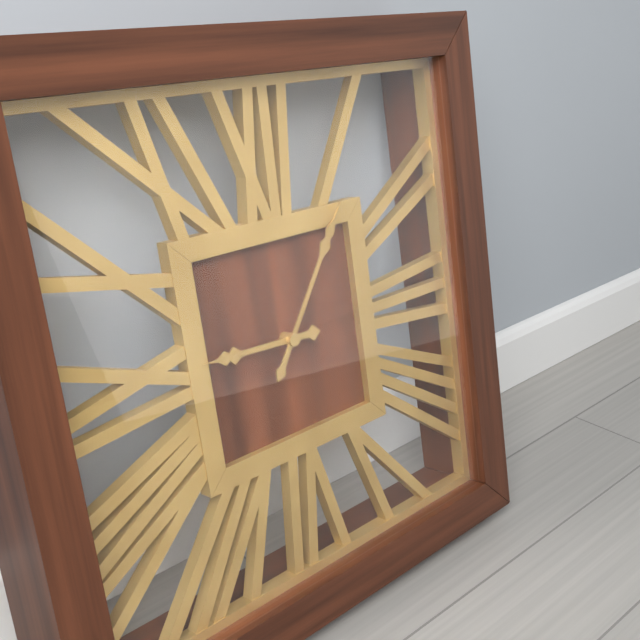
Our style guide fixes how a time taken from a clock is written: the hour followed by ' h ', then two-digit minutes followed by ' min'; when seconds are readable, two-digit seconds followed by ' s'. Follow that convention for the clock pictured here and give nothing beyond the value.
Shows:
9 h 06 min
